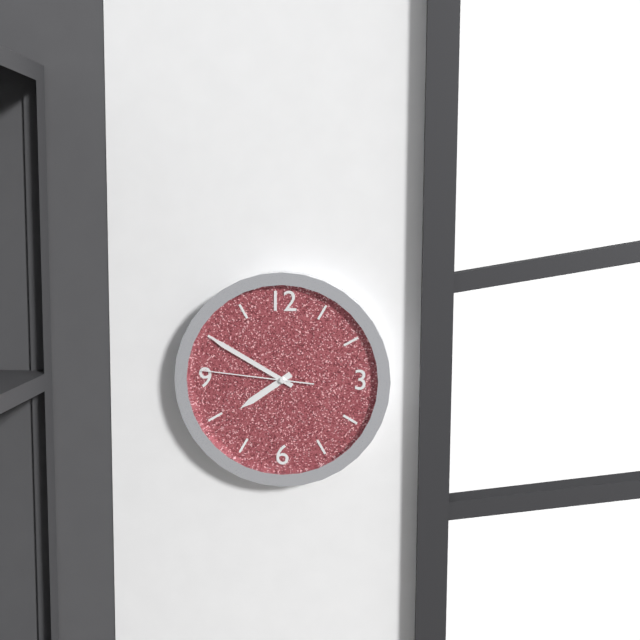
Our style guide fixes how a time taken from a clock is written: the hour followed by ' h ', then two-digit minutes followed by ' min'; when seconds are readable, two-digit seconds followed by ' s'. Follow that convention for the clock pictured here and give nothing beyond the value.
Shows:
7 h 50 min 46 s
